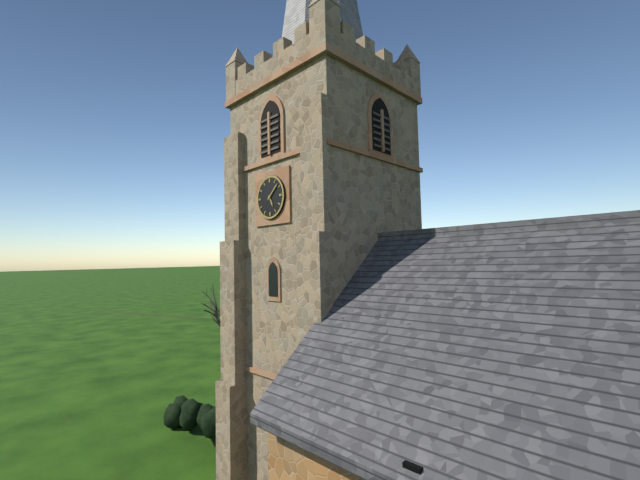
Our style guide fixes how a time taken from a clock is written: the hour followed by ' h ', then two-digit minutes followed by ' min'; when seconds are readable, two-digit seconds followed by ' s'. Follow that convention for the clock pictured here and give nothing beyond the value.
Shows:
5 h 08 min
